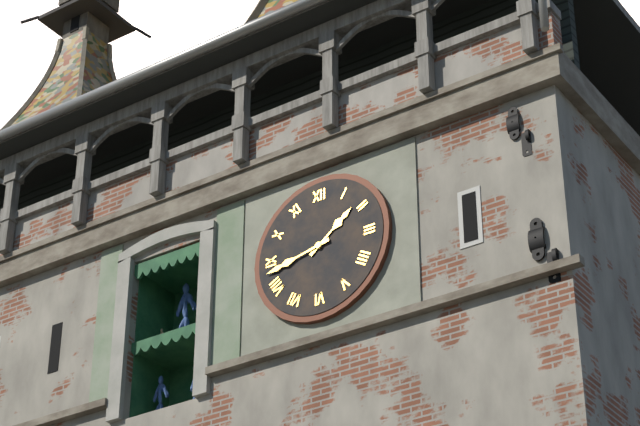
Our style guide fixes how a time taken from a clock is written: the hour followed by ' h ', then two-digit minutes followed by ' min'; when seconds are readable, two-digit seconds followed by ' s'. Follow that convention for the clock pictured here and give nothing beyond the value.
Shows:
1 h 43 min
